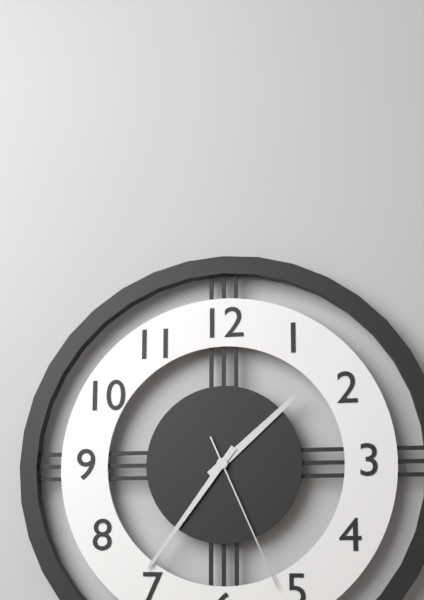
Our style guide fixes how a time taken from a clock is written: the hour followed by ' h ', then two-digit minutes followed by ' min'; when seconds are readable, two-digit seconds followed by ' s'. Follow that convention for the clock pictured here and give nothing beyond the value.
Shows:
1 h 36 min 26 s
